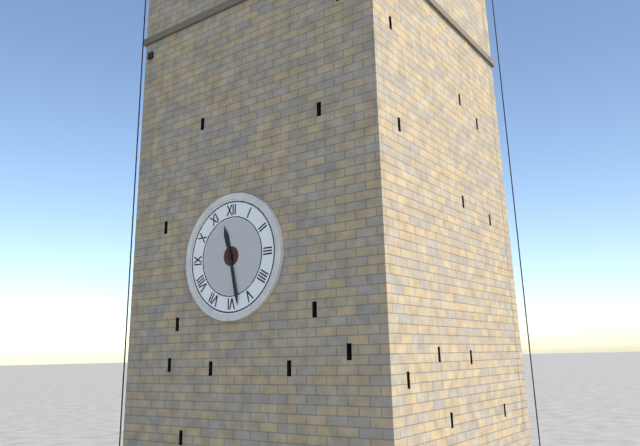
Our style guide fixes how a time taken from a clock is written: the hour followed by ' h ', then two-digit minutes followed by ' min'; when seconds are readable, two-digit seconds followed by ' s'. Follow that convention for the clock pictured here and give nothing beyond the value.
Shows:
11 h 28 min
